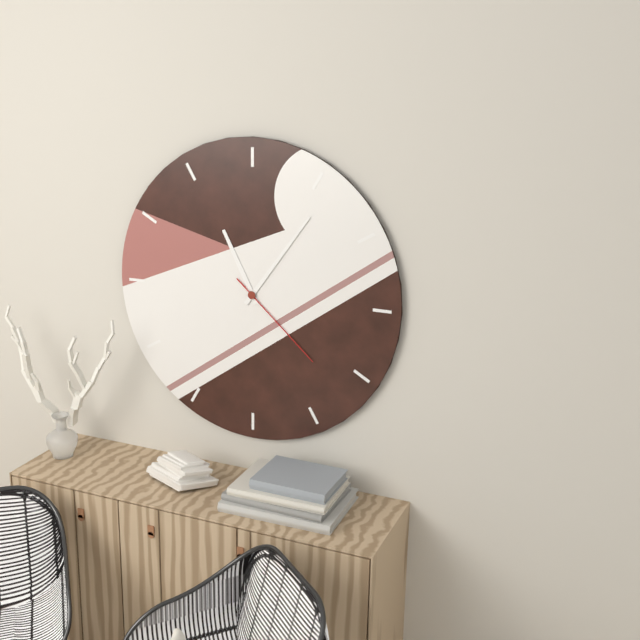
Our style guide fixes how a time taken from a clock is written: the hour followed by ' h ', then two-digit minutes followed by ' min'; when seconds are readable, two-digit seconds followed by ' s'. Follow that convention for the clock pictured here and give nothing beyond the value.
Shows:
11 h 06 min 22 s
